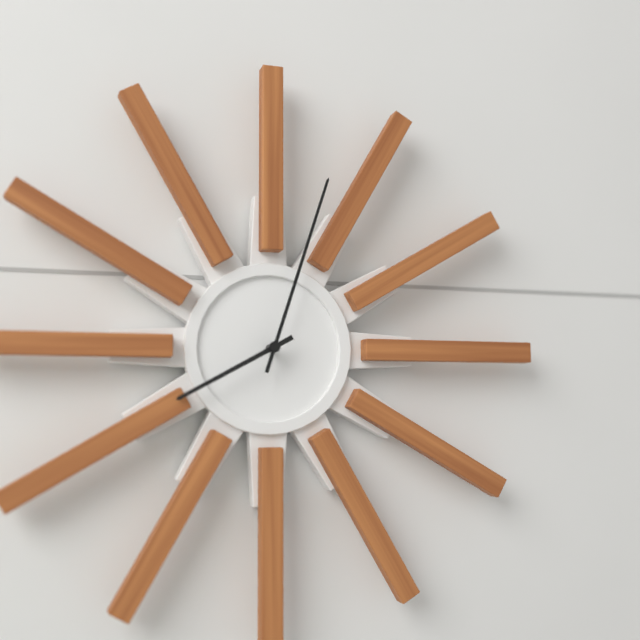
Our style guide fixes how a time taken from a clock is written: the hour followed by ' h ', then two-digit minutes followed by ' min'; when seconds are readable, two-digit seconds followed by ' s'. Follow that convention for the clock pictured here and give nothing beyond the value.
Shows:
8 h 03 min
